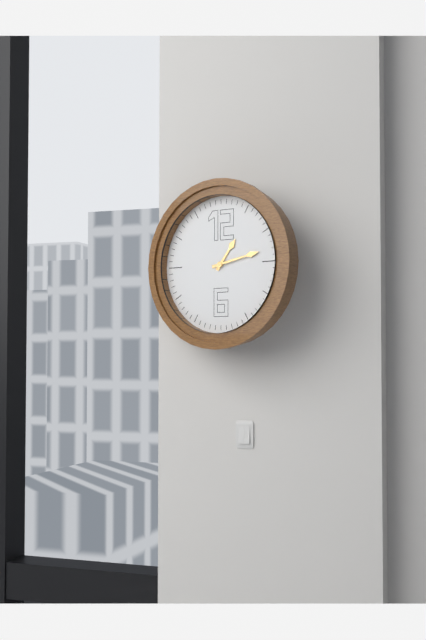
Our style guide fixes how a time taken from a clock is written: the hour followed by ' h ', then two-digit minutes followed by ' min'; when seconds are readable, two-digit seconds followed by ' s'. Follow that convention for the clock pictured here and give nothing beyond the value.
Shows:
1 h 13 min
